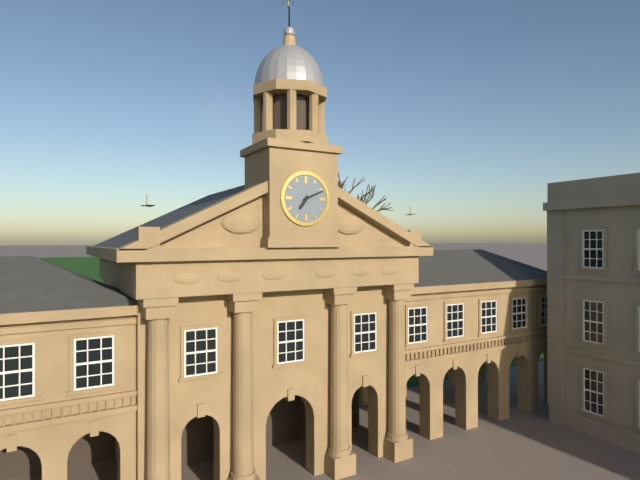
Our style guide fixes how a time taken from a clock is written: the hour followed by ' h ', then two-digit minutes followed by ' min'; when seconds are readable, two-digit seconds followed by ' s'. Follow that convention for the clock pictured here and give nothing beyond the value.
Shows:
7 h 11 min
